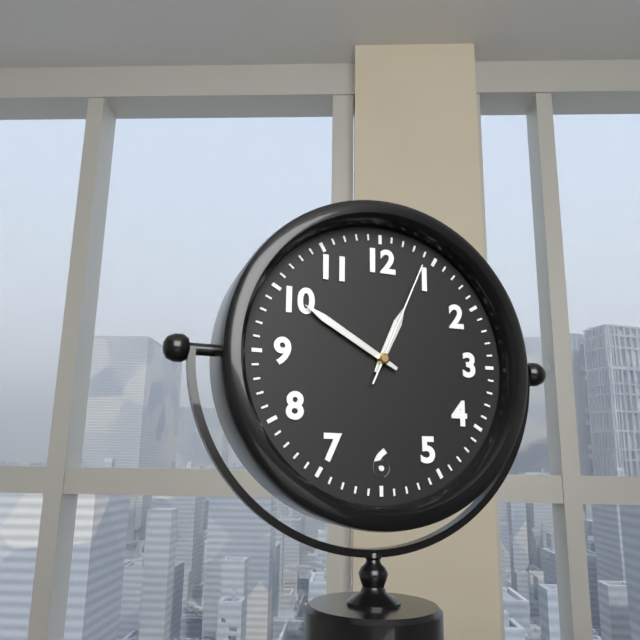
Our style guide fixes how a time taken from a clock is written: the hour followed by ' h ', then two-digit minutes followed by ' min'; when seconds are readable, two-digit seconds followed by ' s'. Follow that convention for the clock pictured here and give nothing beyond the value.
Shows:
12 h 50 min 04 s
